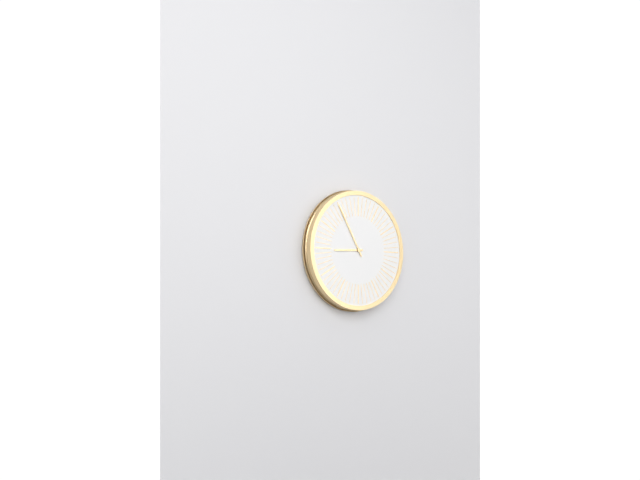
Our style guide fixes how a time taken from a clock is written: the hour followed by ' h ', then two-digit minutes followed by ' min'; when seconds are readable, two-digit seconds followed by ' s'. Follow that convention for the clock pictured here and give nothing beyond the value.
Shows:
8 h 55 min
